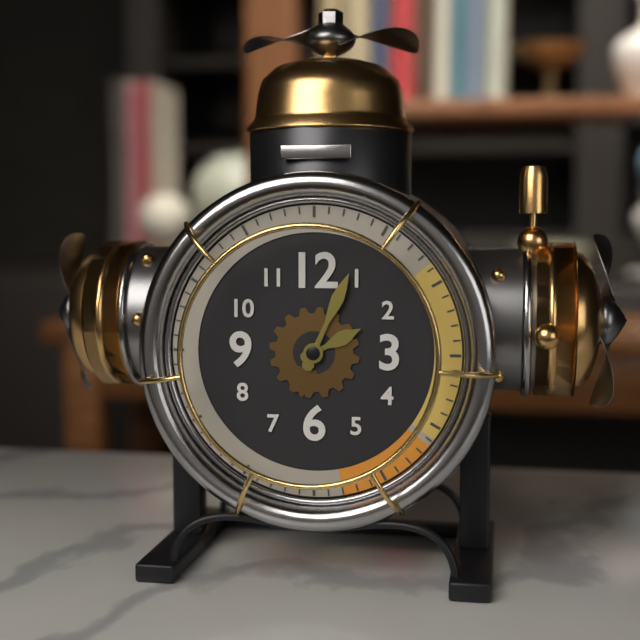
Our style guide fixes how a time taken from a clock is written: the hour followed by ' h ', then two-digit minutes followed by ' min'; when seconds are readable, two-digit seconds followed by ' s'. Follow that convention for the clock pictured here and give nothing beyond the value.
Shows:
2 h 04 min
